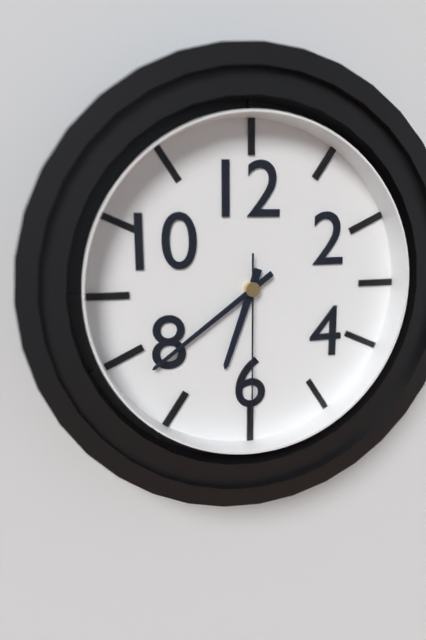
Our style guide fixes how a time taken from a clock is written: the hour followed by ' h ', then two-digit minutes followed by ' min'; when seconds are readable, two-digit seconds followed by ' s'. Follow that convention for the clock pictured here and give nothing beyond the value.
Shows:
6 h 39 min 30 s
